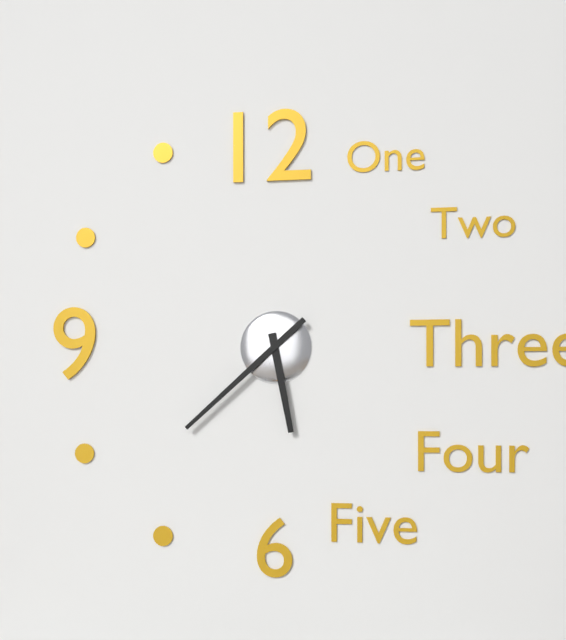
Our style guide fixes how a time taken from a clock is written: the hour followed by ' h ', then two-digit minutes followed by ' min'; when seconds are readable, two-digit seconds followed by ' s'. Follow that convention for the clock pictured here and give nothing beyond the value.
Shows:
5 h 38 min
